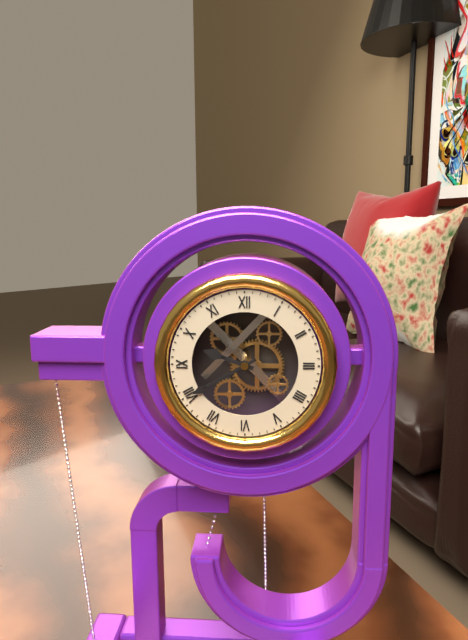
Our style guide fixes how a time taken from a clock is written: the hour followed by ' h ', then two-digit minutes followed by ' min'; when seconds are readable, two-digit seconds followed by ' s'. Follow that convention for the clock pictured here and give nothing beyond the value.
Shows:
9 h 40 min
